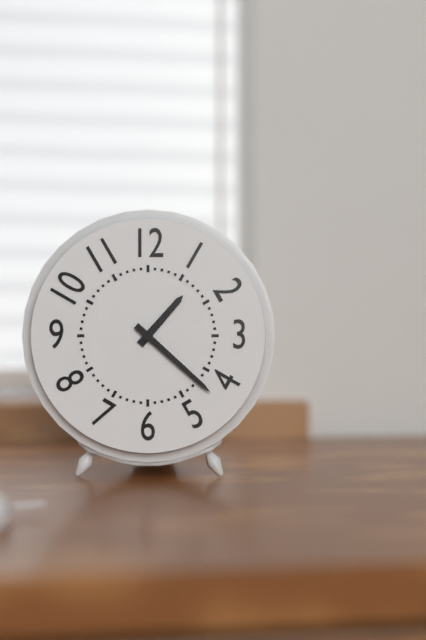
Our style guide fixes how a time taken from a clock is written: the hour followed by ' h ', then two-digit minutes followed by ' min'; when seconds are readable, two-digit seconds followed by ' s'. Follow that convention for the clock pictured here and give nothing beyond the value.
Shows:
1 h 22 min
